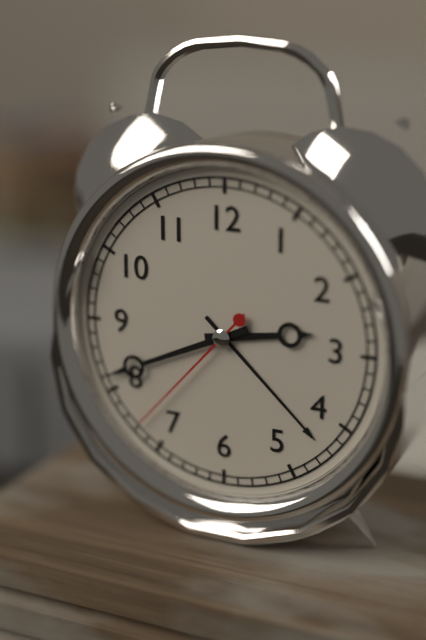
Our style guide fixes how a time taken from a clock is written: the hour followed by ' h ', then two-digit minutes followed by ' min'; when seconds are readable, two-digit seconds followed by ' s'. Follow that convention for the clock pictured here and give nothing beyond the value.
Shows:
2 h 41 min 37 s
